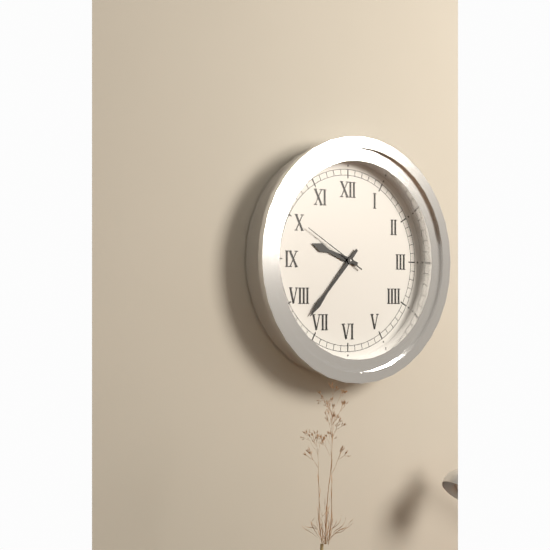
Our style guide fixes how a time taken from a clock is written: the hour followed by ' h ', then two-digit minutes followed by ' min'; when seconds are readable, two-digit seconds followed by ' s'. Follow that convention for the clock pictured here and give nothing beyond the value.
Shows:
9 h 37 min 50 s
